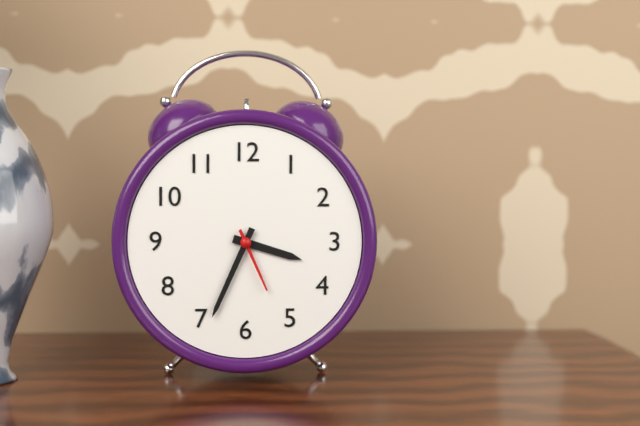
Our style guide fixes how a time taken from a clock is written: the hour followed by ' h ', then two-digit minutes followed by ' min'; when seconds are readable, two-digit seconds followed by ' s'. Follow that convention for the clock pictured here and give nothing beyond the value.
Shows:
3 h 34 min 26 s
